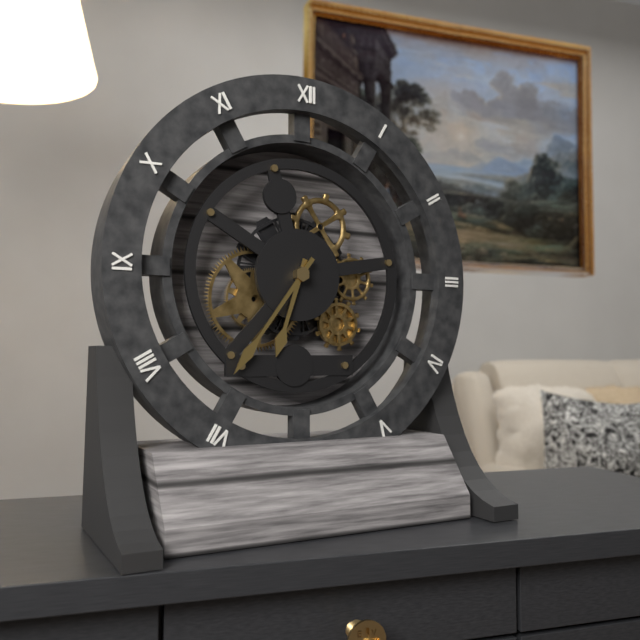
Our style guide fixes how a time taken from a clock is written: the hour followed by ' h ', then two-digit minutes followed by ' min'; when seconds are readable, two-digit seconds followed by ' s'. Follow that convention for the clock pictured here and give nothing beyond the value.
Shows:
6 h 36 min
